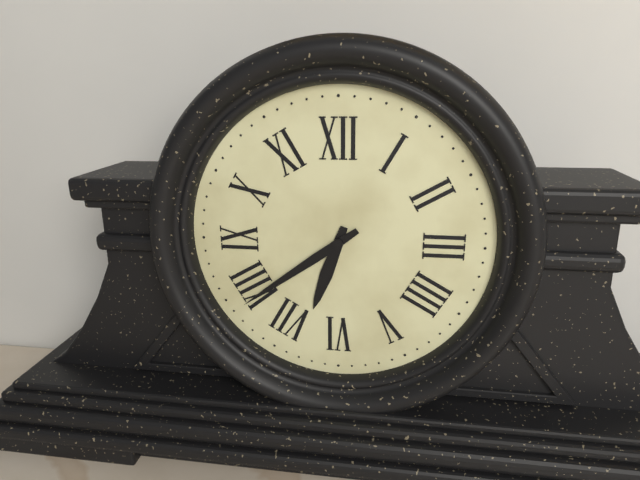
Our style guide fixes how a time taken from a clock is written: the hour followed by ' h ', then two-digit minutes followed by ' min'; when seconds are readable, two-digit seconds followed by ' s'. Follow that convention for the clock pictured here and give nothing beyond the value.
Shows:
6 h 39 min
